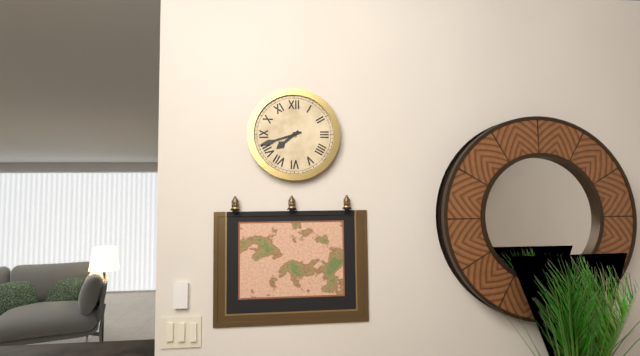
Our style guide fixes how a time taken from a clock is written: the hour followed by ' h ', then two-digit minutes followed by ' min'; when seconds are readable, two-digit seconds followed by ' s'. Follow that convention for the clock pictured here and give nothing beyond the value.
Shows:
7 h 42 min
